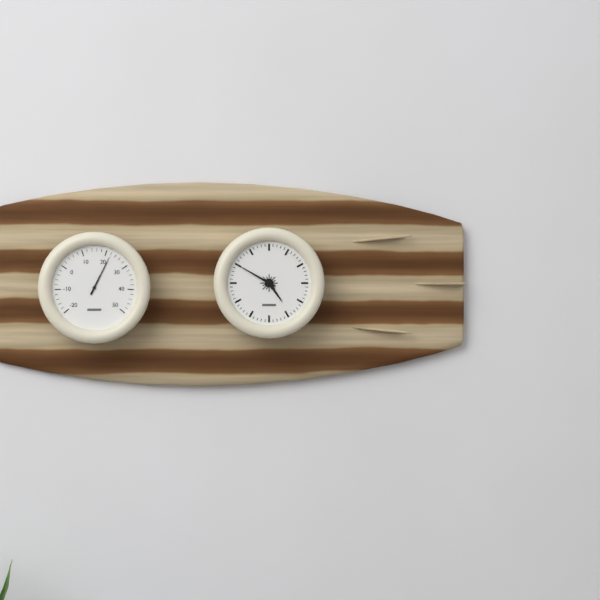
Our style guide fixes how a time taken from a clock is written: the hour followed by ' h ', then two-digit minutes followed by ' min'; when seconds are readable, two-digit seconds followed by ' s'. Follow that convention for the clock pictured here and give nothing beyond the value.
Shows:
4 h 50 min
